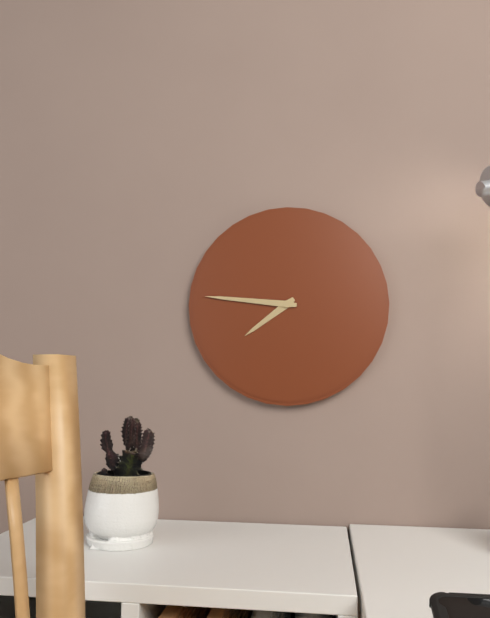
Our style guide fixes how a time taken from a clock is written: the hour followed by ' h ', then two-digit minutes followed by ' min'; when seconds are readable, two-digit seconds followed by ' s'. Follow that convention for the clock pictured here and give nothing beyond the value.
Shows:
7 h 46 min
